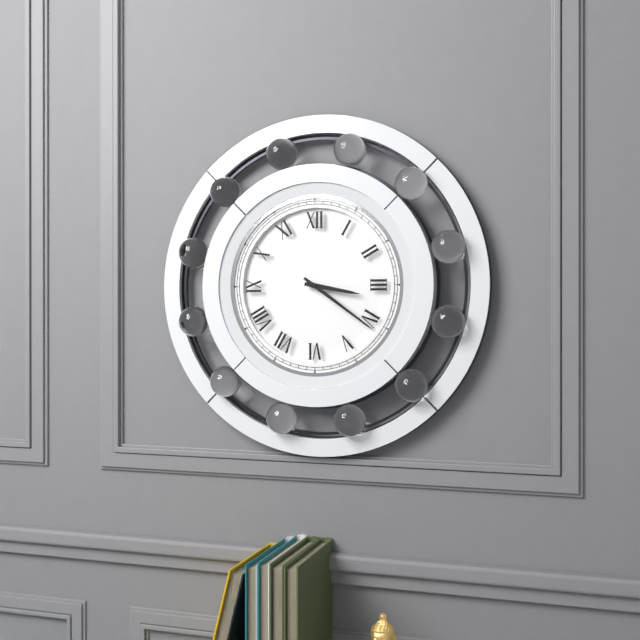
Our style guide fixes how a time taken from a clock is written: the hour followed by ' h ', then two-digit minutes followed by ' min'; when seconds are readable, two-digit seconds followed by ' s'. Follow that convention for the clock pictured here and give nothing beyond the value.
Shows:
3 h 21 min
